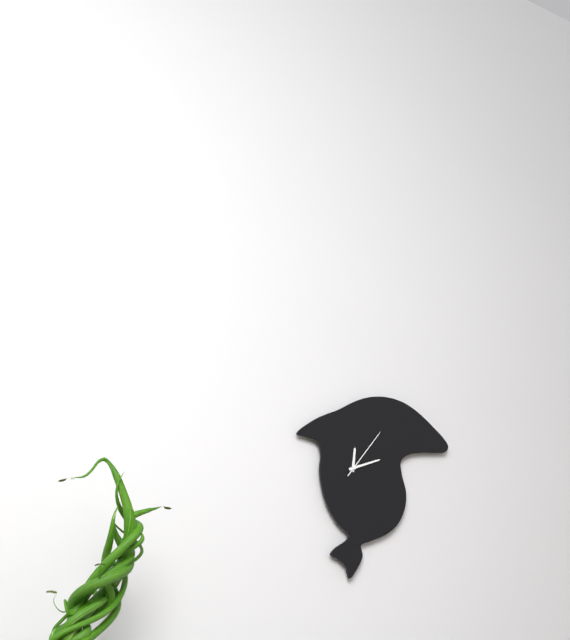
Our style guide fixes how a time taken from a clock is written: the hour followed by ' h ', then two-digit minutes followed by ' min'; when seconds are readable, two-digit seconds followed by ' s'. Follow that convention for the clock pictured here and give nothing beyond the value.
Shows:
12 h 11 min 06 s
